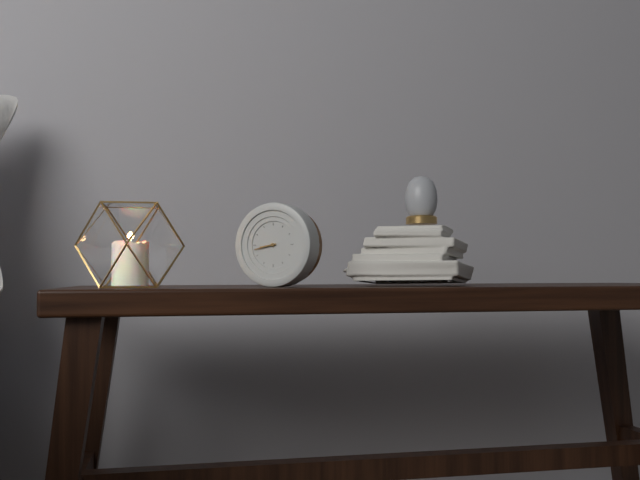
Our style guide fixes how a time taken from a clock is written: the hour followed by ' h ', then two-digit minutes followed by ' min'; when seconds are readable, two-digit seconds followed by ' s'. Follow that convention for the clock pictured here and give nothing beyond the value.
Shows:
8 h 43 min
